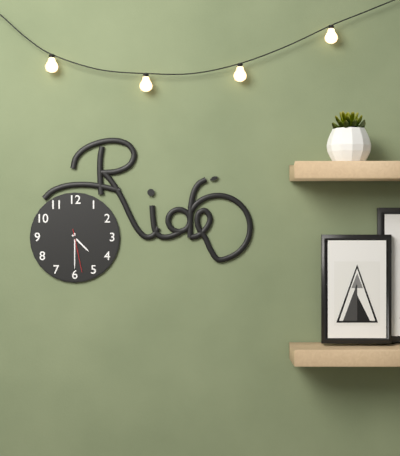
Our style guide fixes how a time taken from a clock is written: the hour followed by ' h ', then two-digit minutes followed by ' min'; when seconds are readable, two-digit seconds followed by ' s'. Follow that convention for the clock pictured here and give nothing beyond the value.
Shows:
4 h 30 min
